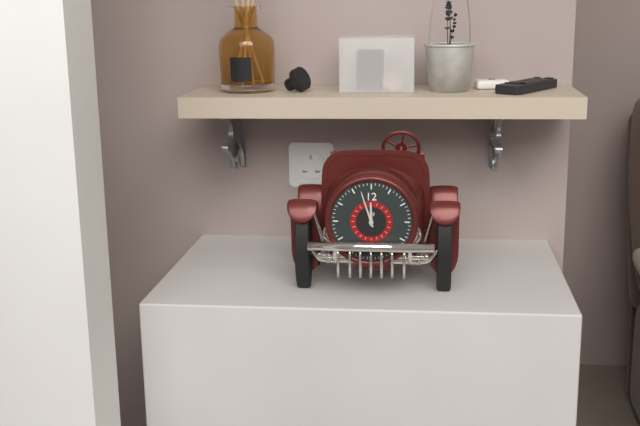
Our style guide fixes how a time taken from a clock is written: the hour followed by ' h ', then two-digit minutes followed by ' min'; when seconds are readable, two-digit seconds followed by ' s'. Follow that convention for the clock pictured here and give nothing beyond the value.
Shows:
11 h 57 min
